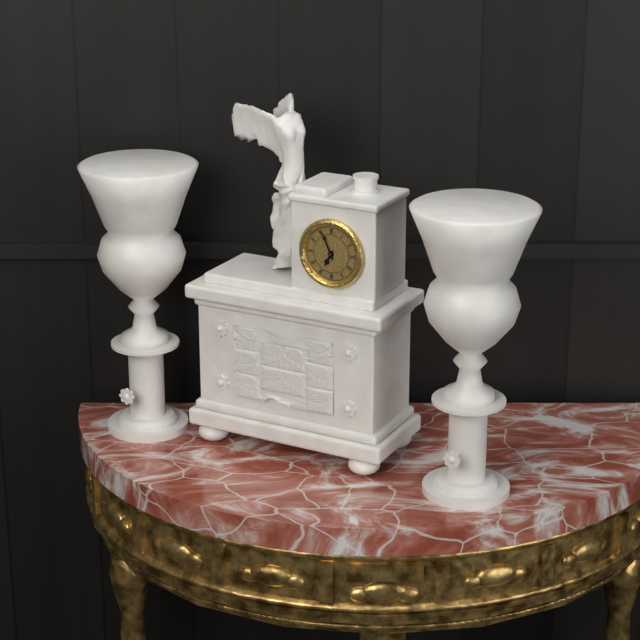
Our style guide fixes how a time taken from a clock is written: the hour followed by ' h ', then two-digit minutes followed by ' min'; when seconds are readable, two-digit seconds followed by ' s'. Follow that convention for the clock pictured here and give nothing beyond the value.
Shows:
6 h 56 min
